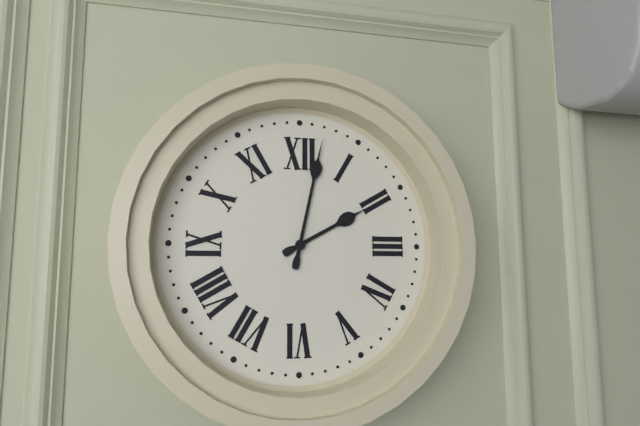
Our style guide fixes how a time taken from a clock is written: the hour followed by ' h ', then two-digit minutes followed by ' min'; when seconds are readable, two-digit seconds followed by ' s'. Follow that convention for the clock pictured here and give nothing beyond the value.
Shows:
2 h 02 min
